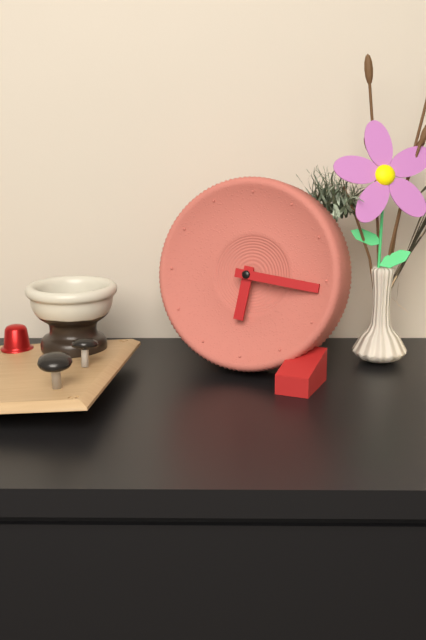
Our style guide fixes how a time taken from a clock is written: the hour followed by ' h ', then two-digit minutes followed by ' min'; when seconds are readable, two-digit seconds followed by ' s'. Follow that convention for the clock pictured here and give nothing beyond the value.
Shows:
6 h 16 min
